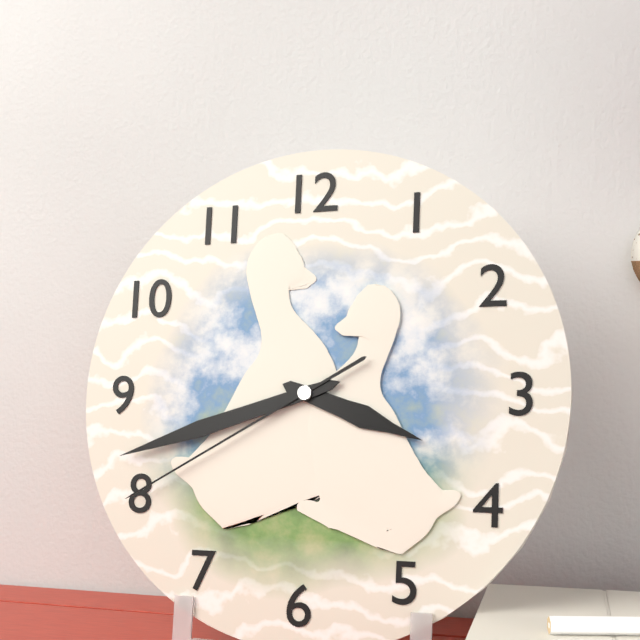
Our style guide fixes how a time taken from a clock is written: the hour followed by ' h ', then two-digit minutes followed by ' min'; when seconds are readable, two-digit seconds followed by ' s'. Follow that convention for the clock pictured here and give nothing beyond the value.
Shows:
3 h 42 min 40 s
